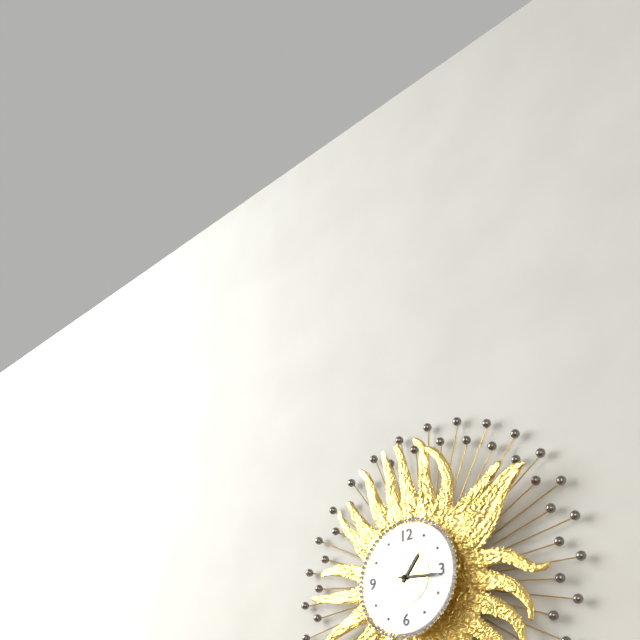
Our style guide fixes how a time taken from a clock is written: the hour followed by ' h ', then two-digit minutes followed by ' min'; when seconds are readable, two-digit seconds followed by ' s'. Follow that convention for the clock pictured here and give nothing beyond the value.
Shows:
1 h 16 min
